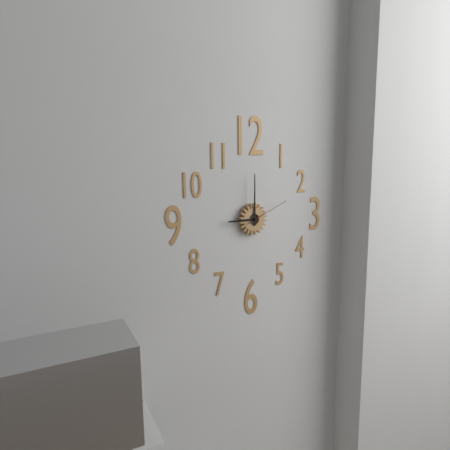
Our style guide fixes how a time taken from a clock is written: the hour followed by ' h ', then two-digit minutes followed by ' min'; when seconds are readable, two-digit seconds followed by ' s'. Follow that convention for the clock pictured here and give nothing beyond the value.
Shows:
9 h 00 min
